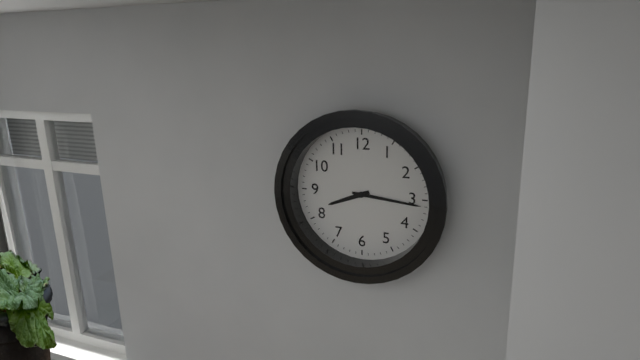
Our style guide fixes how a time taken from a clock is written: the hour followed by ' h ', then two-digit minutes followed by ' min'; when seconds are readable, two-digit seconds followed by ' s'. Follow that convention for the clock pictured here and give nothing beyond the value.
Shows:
8 h 16 min
